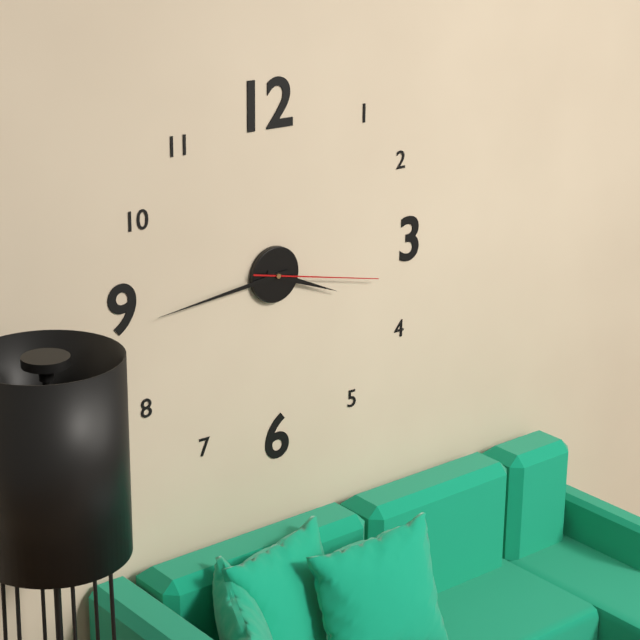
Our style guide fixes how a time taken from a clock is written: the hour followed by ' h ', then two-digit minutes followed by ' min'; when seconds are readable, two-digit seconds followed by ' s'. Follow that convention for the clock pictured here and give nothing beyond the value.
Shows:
3 h 44 min 17 s
